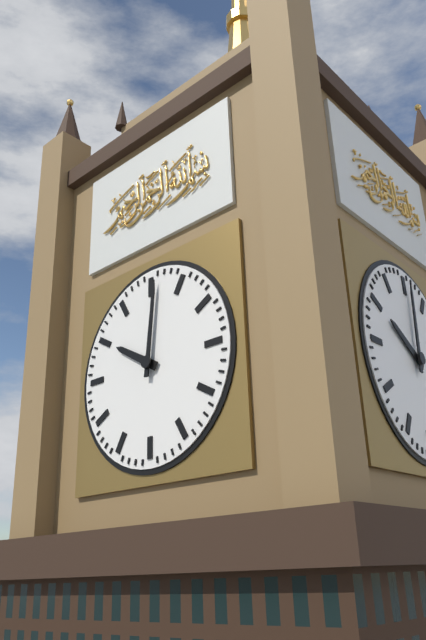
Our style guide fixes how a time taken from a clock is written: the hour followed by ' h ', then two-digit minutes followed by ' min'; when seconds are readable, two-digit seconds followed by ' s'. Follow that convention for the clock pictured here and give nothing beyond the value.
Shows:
10 h 01 min
